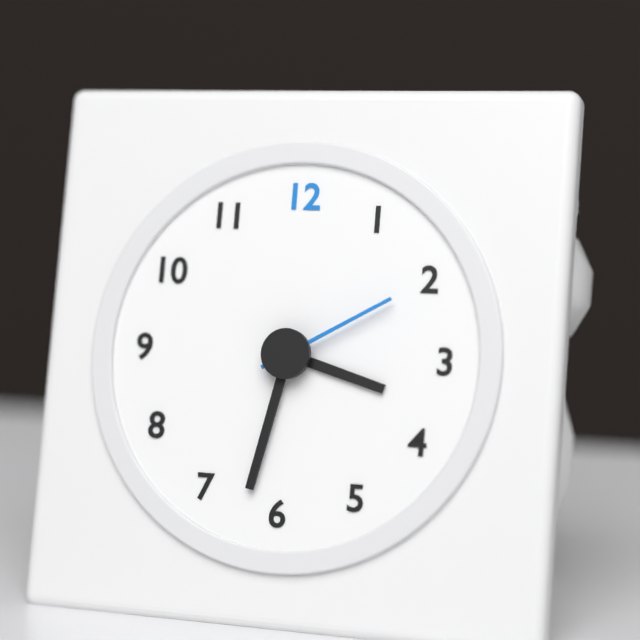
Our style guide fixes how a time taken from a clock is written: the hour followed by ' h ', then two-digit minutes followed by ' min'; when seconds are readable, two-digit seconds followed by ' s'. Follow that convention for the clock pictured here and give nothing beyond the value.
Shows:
3 h 32 min 10 s
